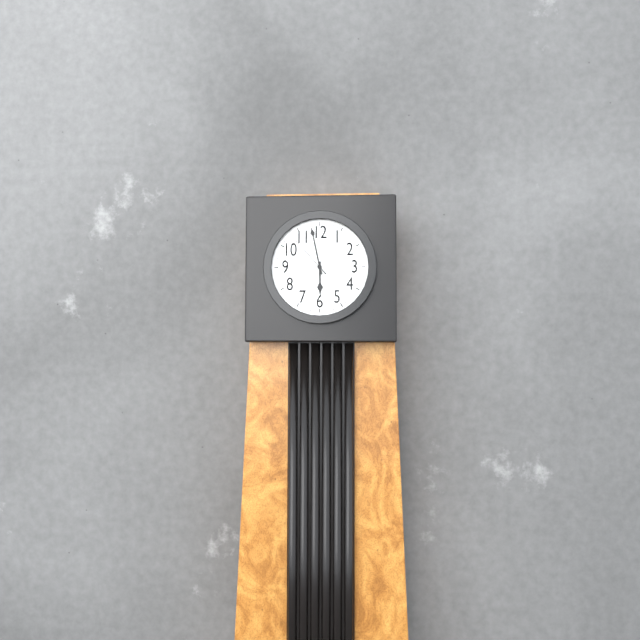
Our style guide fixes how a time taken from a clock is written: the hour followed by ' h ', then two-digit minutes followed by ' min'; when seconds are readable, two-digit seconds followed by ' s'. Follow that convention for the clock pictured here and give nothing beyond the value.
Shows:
5 h 58 min
